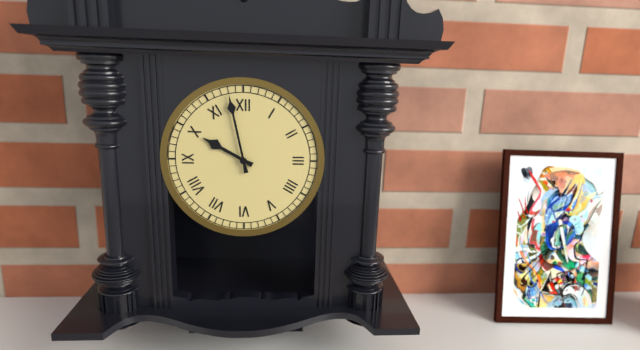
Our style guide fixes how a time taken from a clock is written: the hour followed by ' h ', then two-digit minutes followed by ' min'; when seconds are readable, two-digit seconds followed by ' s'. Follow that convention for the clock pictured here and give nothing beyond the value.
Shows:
9 h 58 min
